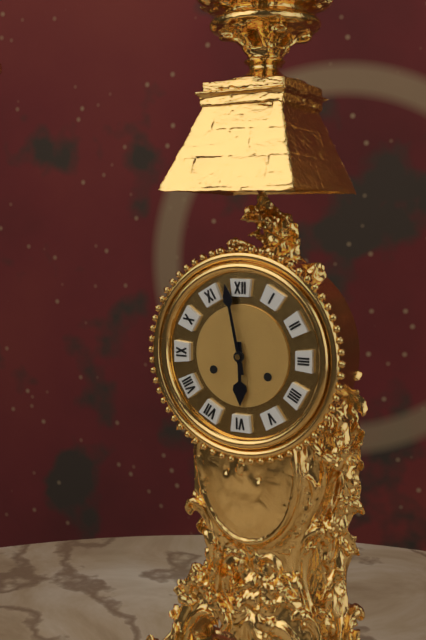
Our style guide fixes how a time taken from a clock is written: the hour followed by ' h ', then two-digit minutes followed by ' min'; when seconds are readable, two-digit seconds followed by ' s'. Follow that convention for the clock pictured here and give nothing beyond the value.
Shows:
5 h 58 min
